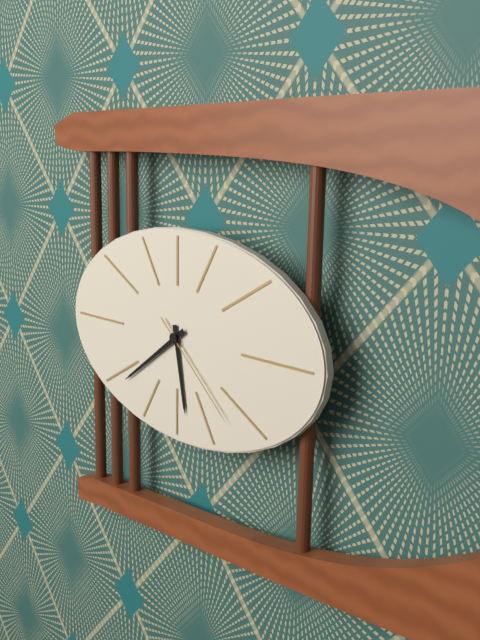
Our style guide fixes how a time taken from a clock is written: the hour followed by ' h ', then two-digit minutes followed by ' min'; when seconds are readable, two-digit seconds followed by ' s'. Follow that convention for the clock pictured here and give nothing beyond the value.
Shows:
5 h 39 min 22 s
